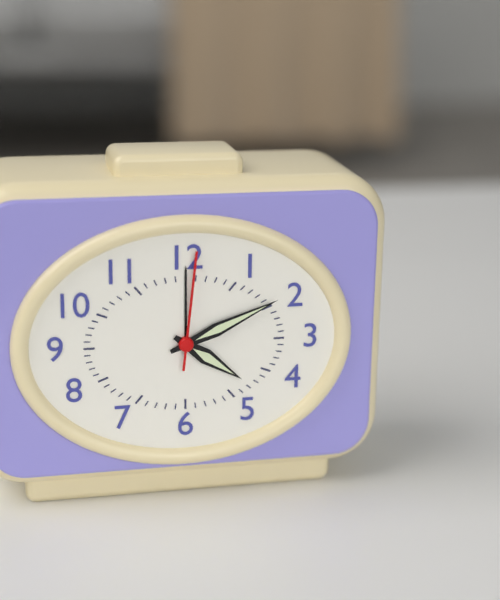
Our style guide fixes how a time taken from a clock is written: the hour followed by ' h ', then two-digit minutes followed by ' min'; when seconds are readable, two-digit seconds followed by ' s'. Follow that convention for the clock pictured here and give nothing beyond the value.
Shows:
4 h 11 min 01 s
